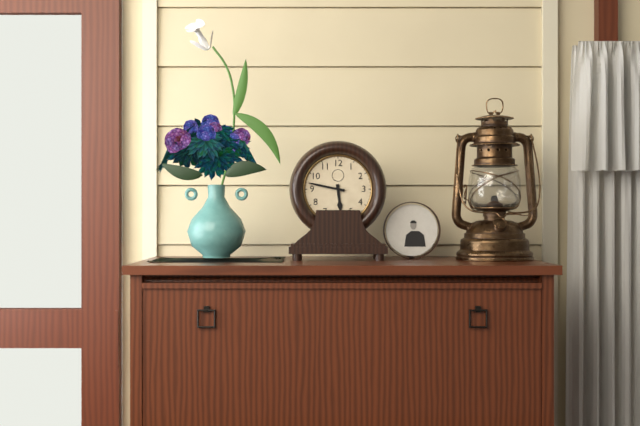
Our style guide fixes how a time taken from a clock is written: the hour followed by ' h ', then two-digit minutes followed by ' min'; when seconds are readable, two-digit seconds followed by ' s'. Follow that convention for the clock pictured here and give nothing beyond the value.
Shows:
5 h 47 min
